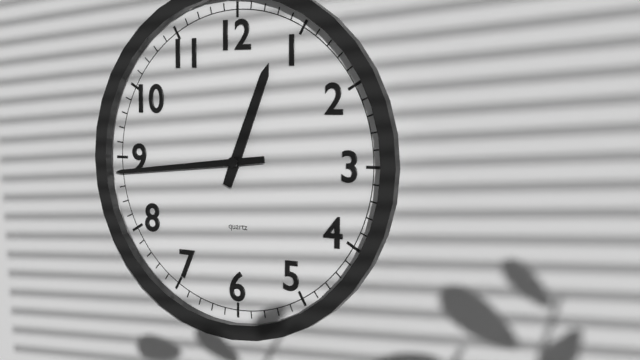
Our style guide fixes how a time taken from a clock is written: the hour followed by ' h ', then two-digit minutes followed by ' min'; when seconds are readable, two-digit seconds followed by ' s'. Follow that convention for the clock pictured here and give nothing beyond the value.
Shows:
12 h 44 min
